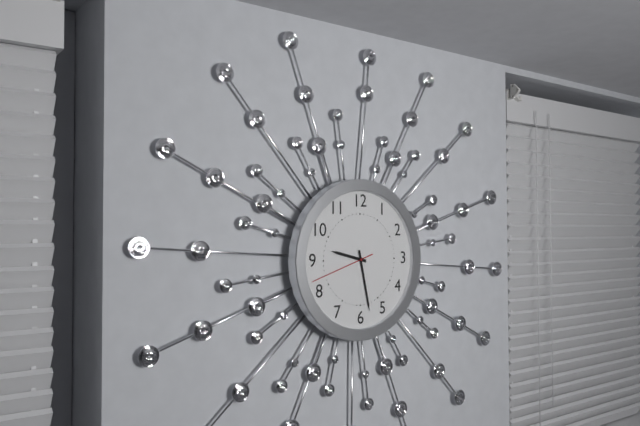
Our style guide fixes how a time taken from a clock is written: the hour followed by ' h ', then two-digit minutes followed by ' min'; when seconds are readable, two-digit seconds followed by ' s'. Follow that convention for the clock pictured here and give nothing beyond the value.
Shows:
9 h 28 min 42 s
